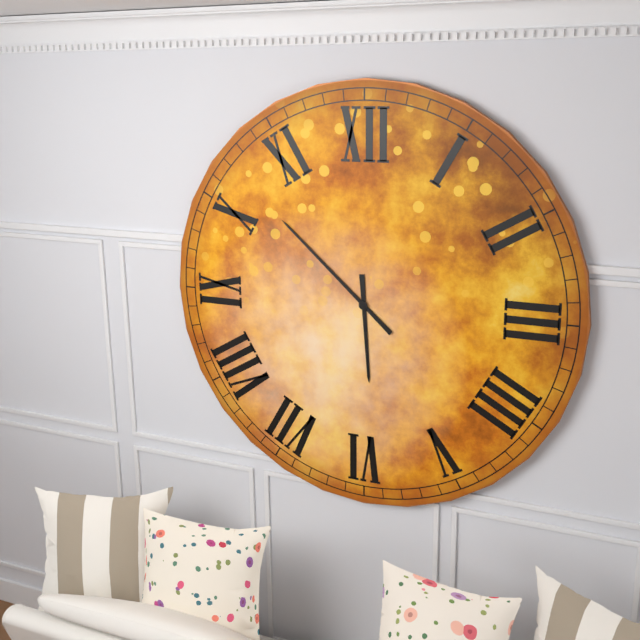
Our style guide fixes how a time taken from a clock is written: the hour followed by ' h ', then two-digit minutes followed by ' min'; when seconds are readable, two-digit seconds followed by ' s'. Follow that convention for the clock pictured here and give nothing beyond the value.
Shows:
5 h 52 min
